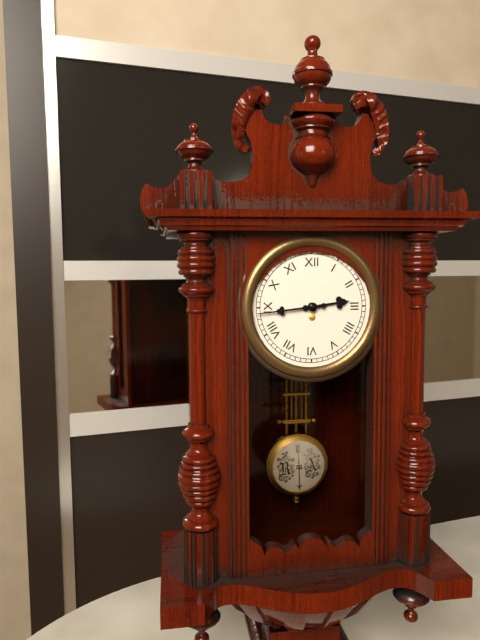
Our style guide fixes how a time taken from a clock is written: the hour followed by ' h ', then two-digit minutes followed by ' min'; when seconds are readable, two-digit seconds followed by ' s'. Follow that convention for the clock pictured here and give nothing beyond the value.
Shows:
2 h 44 min
